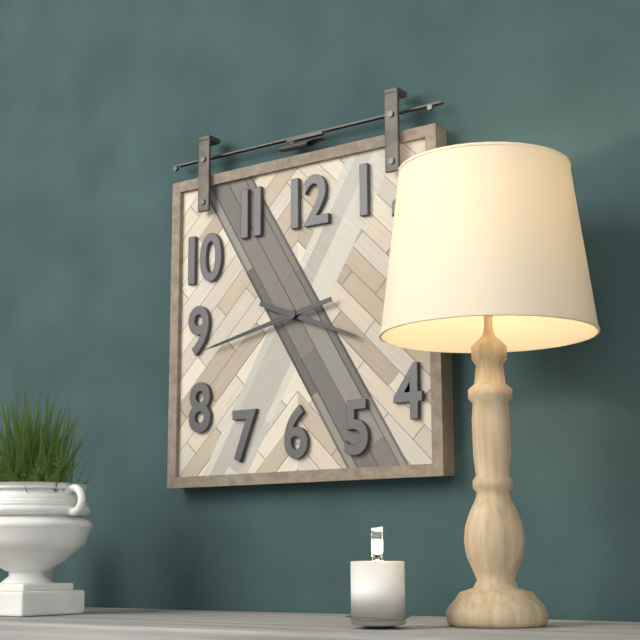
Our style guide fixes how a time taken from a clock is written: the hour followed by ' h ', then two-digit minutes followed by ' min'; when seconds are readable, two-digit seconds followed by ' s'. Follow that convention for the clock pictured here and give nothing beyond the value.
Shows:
3 h 43 min
